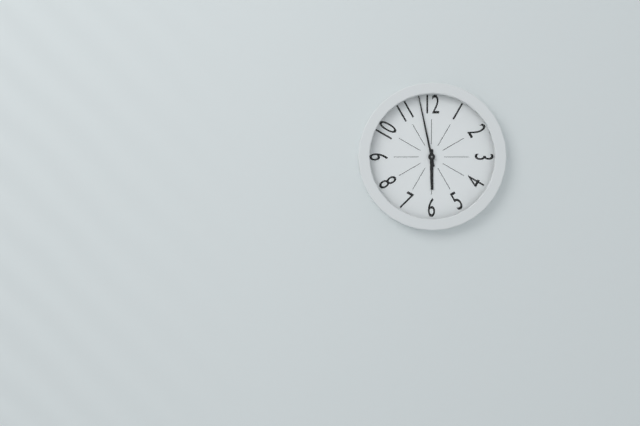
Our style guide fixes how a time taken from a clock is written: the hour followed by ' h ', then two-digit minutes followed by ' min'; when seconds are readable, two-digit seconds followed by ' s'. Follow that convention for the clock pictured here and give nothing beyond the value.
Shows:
5 h 58 min
